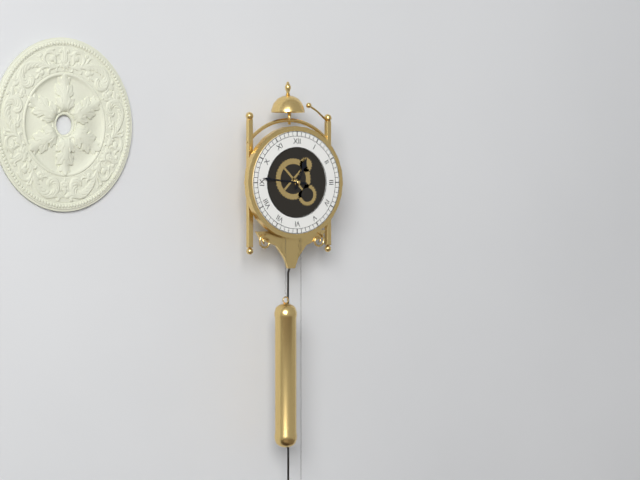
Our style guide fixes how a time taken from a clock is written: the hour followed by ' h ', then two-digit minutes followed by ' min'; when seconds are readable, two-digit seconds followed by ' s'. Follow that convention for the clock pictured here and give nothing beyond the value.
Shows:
12 h 46 min
